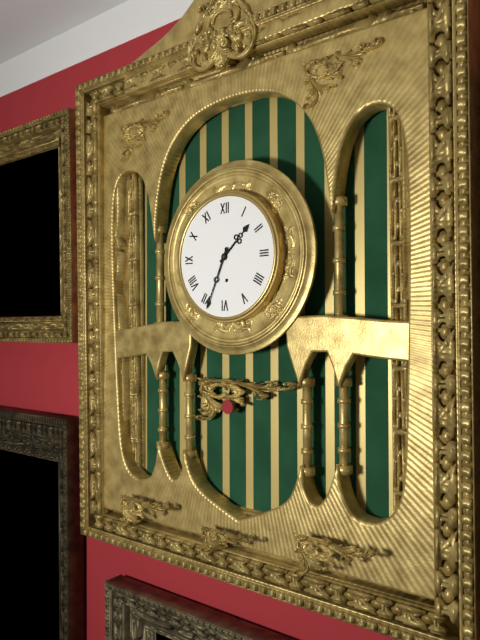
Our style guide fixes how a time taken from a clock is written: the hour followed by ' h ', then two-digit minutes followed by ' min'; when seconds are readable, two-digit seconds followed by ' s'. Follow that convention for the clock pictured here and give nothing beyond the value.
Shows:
1 h 34 min
